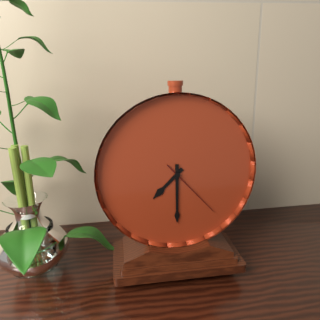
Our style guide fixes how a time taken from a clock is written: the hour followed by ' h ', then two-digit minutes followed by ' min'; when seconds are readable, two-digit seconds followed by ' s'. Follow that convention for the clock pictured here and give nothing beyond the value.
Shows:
7 h 30 min 23 s
